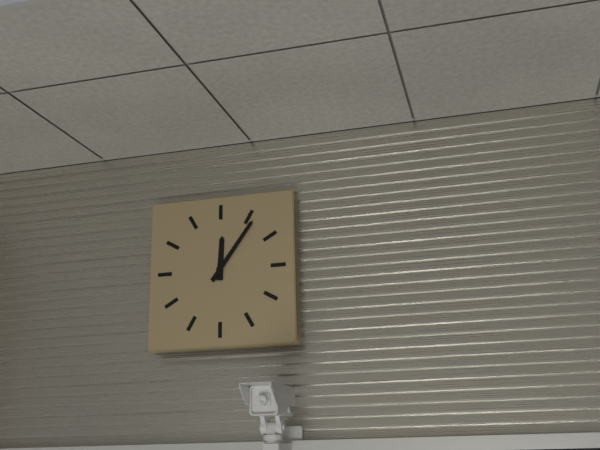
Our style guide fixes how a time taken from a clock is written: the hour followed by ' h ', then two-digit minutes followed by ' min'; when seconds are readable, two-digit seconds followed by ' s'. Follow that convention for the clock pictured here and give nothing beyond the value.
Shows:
12 h 06 min
